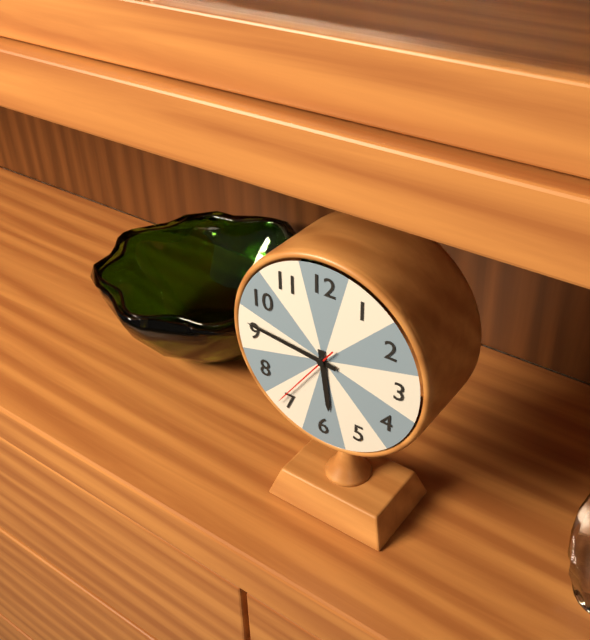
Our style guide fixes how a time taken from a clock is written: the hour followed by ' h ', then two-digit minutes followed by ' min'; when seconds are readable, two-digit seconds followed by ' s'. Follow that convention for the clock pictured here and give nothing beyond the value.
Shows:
5 h 46 min 36 s
